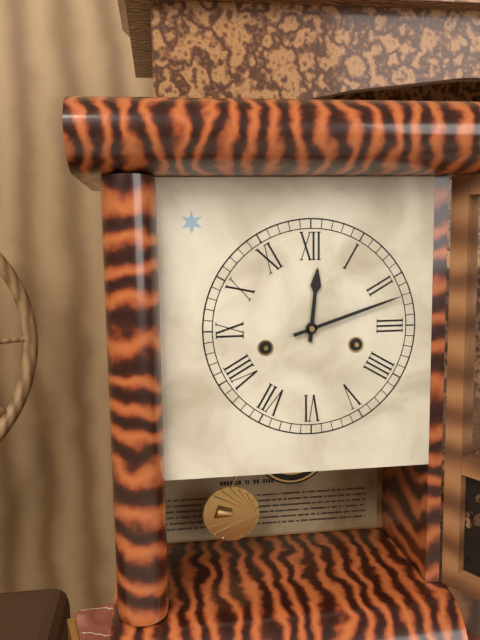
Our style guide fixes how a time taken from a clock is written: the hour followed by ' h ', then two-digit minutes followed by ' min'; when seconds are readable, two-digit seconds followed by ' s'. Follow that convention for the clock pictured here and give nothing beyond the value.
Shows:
12 h 12 min
